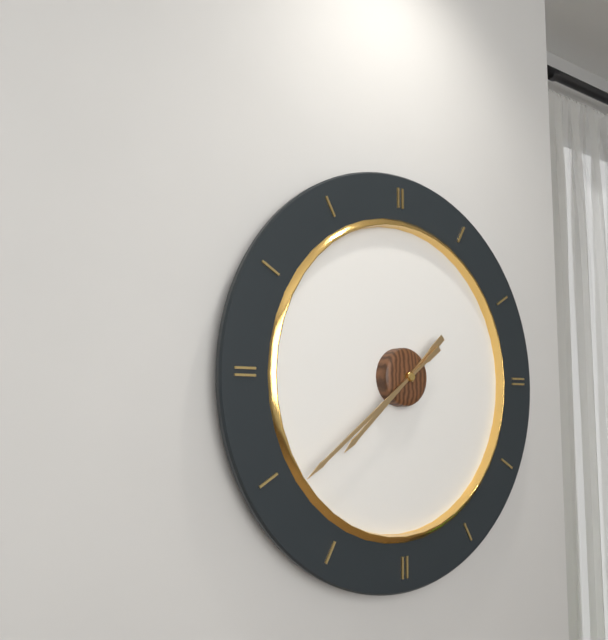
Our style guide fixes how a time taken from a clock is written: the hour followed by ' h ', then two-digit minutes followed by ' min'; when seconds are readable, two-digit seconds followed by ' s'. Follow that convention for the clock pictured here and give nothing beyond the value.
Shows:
7 h 39 min
